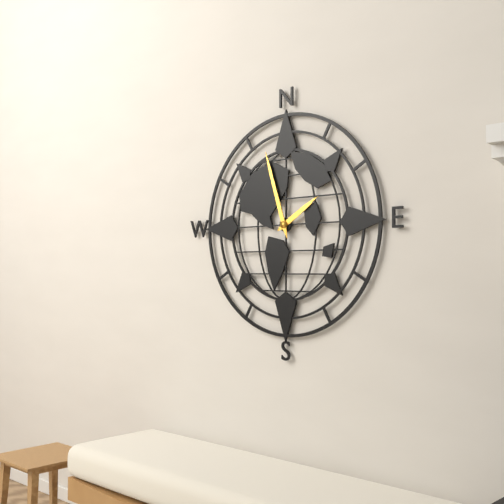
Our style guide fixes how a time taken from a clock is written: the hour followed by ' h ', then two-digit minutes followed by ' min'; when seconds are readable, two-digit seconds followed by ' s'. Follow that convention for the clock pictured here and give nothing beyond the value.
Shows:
1 h 57 min
